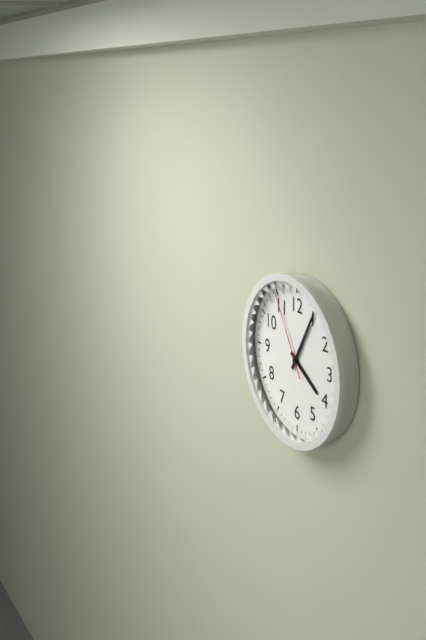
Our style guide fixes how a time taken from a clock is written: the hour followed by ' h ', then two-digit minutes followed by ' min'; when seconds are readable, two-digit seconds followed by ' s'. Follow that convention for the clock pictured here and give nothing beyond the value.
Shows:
4 h 05 min 55 s
